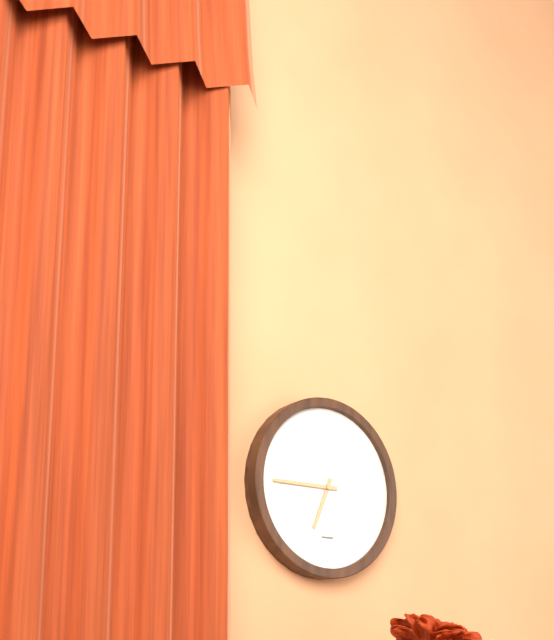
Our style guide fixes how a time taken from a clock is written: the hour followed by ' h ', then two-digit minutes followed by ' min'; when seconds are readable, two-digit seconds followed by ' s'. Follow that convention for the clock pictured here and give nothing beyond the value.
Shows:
6 h 45 min
